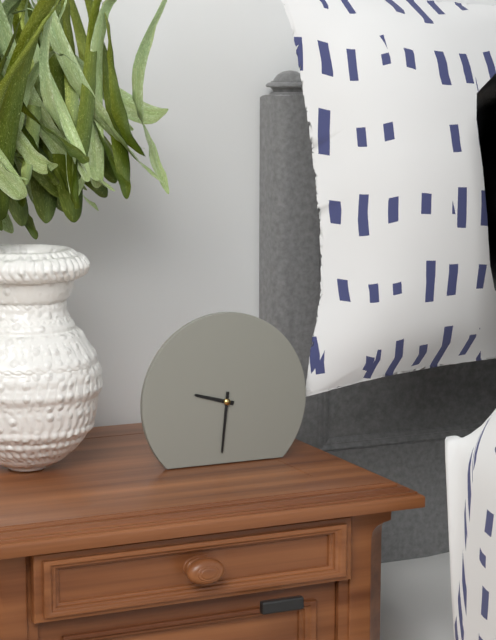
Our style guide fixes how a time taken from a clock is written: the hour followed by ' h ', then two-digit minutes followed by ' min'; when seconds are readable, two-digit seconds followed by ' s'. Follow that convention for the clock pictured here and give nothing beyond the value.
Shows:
9 h 31 min
